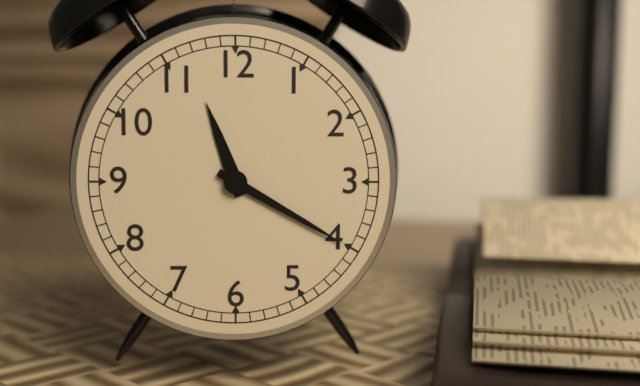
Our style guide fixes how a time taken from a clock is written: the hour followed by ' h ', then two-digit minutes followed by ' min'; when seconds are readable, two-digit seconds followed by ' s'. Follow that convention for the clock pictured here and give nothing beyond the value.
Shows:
11 h 20 min
